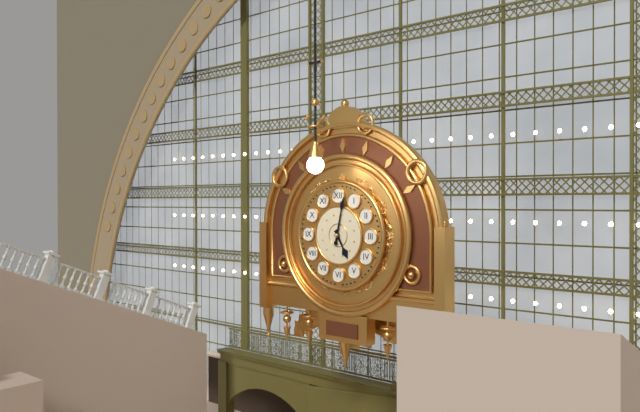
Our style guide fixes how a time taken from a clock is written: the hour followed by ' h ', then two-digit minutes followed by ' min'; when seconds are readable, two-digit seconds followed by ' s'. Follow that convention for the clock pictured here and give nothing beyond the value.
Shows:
5 h 02 min
